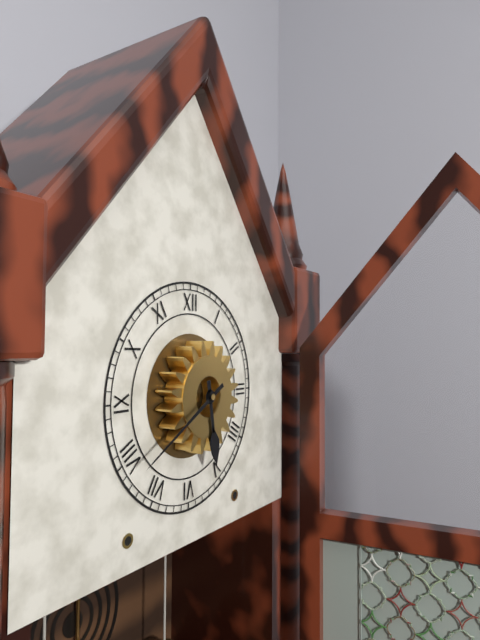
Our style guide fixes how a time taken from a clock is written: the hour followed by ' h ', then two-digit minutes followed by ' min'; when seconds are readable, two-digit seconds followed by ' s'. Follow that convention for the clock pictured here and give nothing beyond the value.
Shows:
5 h 40 min
